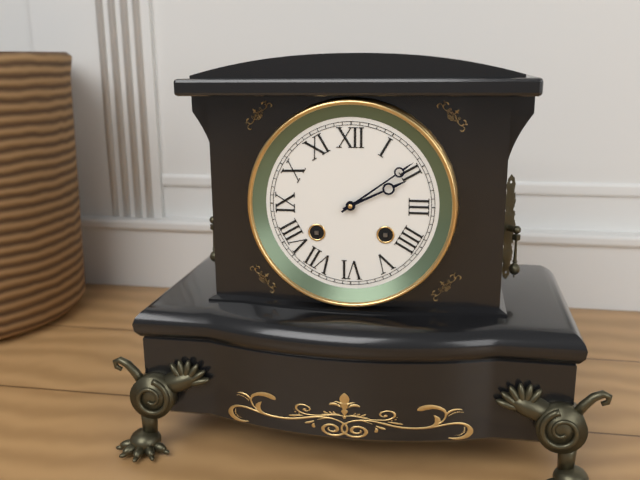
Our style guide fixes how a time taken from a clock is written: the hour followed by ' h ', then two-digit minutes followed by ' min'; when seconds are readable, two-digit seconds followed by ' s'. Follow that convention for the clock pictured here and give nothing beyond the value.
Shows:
2 h 09 min
